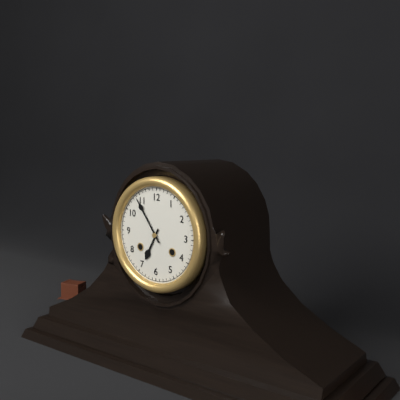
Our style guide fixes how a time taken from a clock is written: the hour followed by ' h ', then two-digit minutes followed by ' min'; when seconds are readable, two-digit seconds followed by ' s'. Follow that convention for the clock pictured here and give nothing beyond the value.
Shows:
6 h 54 min
